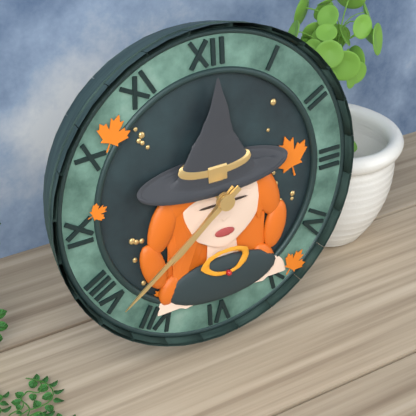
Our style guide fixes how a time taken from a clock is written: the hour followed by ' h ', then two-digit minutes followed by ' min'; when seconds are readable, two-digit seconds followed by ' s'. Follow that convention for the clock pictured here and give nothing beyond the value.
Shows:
7 h 39 min
